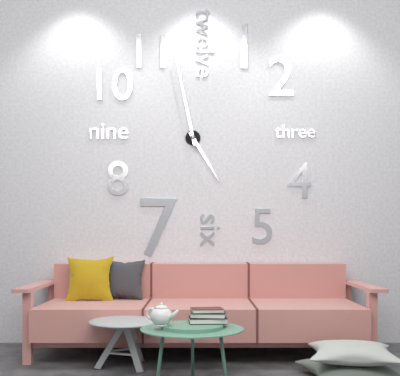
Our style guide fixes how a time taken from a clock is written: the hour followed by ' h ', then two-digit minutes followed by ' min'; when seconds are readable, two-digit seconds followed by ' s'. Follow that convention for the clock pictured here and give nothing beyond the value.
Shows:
4 h 58 min
